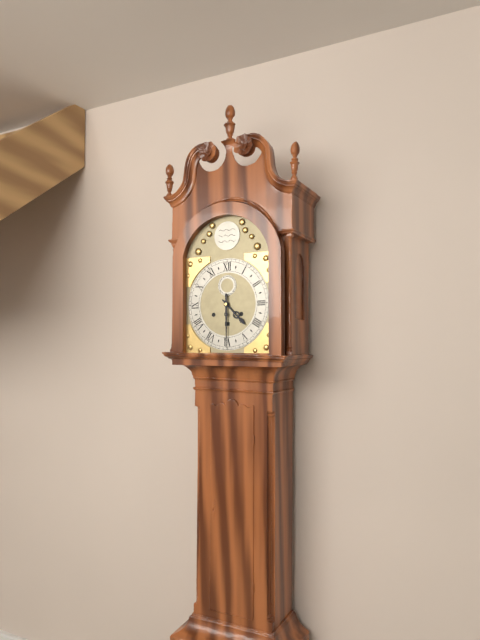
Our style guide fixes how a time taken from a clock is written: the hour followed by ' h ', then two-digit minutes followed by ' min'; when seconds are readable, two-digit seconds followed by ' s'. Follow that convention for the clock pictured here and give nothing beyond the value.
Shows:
4 h 30 min
